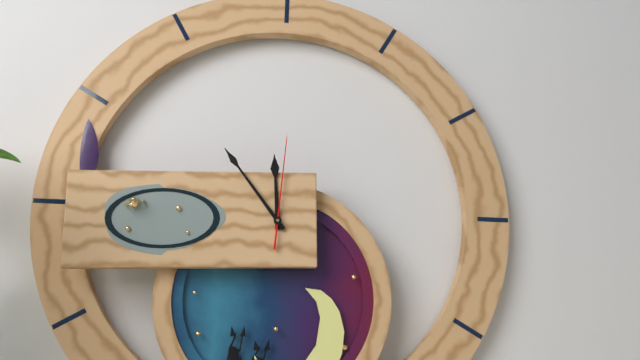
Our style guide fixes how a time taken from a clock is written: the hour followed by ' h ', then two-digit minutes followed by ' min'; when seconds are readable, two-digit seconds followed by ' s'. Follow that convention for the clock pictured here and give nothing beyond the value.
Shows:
11 h 54 min 01 s
